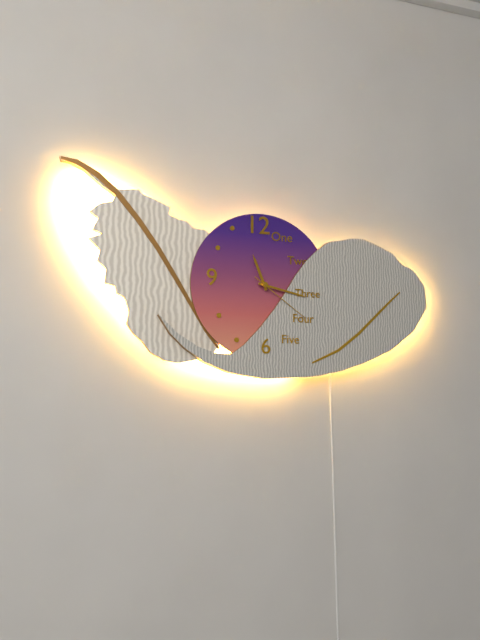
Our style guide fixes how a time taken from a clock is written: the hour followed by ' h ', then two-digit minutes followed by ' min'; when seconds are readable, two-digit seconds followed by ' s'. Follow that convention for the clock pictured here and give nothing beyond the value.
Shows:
11 h 17 min 21 s
